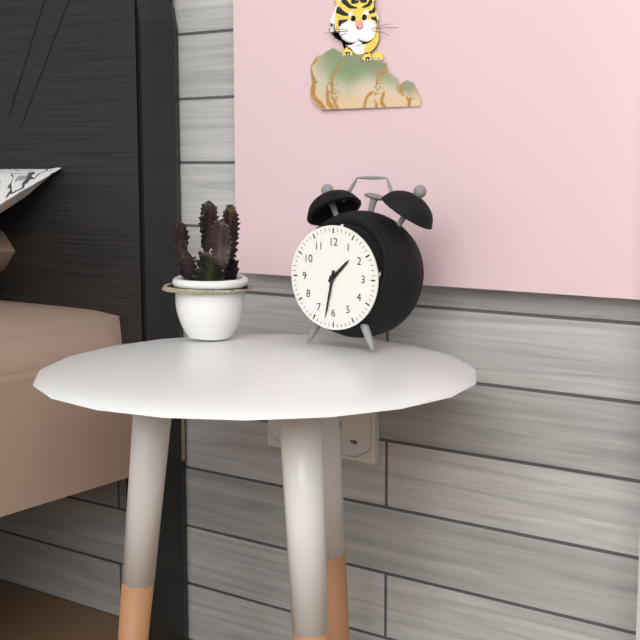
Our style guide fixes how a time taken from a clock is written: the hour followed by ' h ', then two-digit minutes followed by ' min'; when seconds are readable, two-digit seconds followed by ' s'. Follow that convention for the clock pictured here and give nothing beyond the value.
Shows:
1 h 32 min
